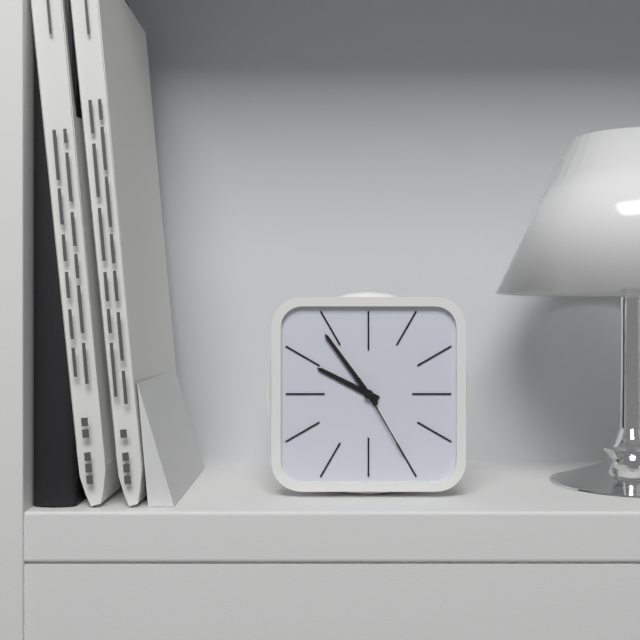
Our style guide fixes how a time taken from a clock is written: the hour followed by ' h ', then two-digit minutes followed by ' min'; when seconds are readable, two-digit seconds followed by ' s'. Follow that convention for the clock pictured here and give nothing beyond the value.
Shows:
9 h 54 min 25 s
